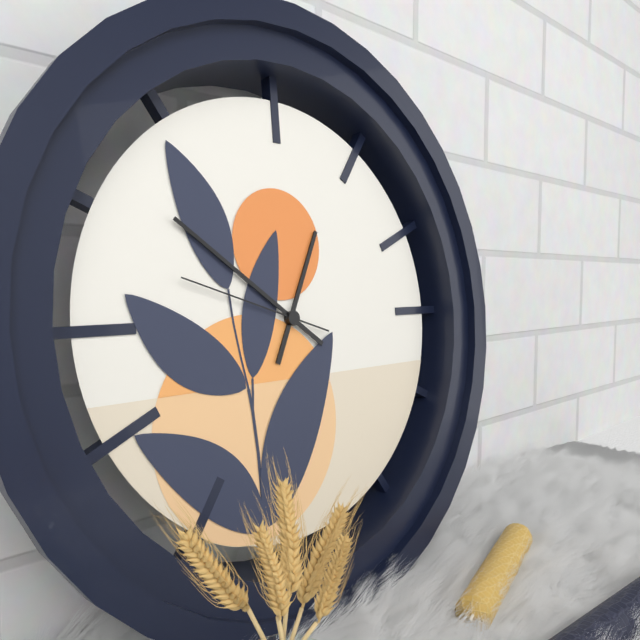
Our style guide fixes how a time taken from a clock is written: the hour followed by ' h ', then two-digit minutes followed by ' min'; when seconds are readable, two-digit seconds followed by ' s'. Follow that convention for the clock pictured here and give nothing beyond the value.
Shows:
12 h 51 min 48 s
